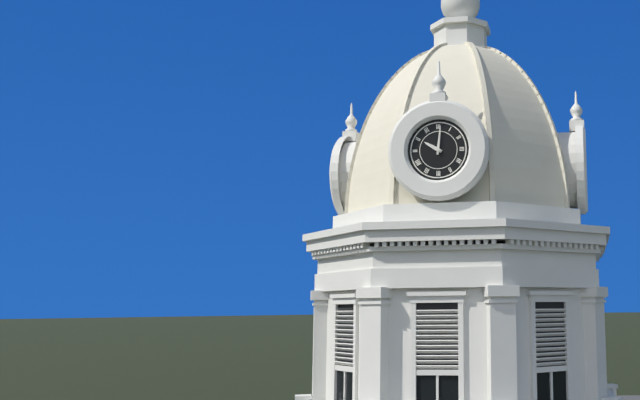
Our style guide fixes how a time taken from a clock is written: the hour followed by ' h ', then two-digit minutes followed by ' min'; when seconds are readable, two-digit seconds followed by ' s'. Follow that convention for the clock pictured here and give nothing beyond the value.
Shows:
10 h 01 min
